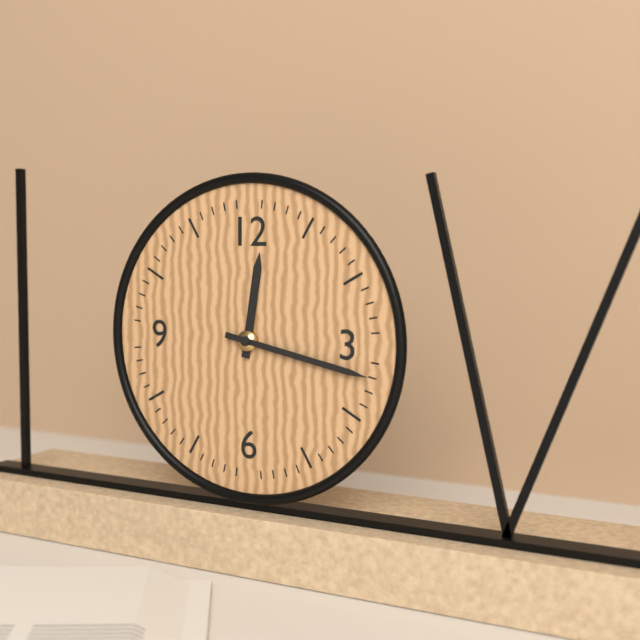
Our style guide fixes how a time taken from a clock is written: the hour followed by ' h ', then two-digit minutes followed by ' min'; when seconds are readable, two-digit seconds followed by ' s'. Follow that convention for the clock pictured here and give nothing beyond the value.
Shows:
12 h 17 min
